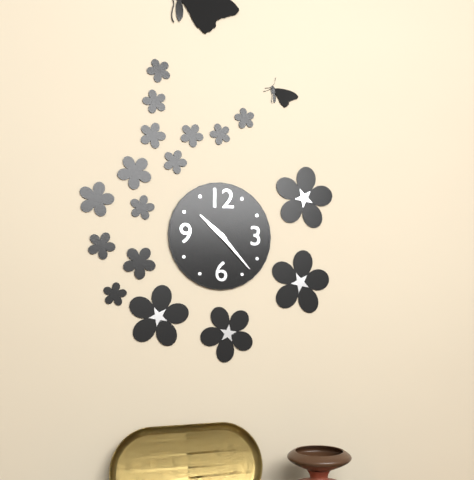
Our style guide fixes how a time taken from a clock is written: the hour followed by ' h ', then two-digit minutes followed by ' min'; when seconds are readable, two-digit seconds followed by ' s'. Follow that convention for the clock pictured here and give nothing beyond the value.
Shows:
10 h 23 min
